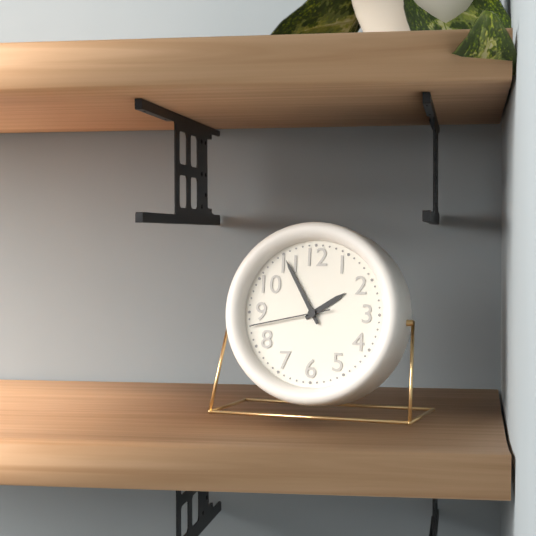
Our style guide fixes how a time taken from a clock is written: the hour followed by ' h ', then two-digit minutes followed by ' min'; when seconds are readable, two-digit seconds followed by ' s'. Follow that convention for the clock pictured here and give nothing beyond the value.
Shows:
1 h 55 min 43 s
